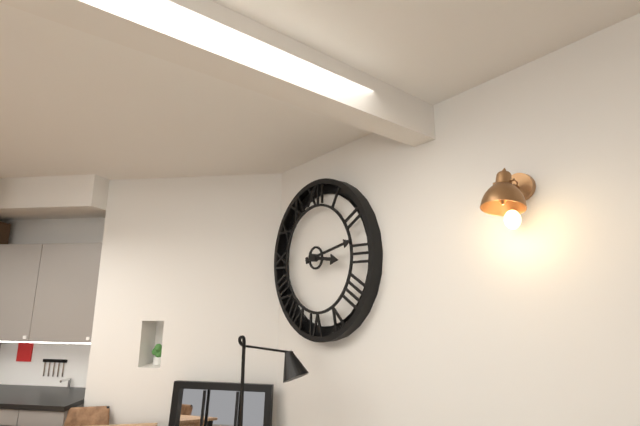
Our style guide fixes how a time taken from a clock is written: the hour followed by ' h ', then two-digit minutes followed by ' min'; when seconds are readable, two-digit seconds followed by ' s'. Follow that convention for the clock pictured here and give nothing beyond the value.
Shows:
3 h 13 min
